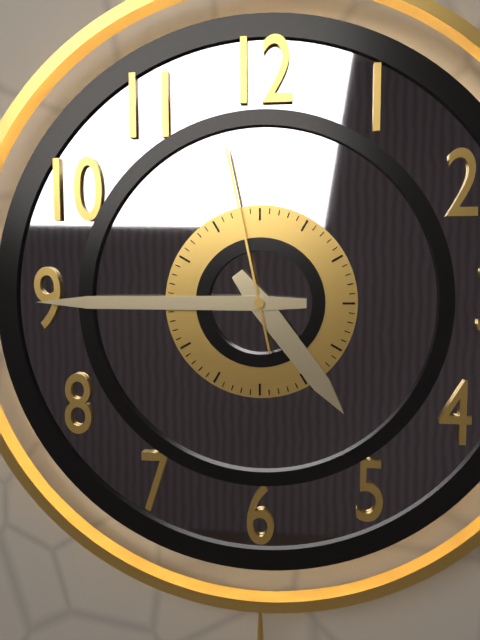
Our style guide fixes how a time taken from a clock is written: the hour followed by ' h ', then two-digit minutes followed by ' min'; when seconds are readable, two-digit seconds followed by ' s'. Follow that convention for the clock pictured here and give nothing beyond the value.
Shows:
4 h 45 min 58 s
